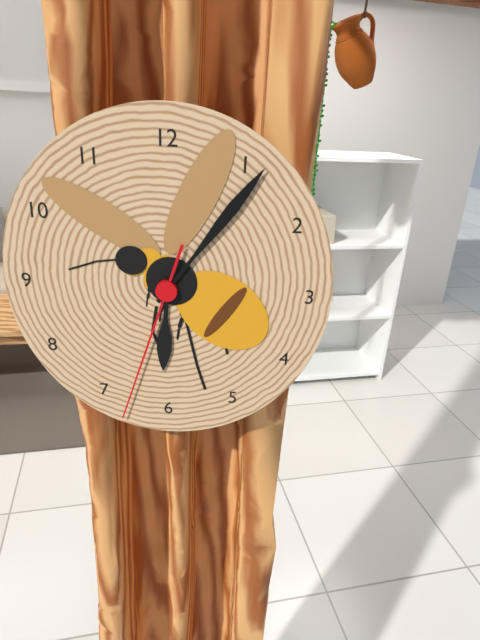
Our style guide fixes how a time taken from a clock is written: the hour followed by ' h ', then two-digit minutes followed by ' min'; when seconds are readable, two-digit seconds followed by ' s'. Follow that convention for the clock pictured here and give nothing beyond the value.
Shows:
6 h 06 min 33 s
